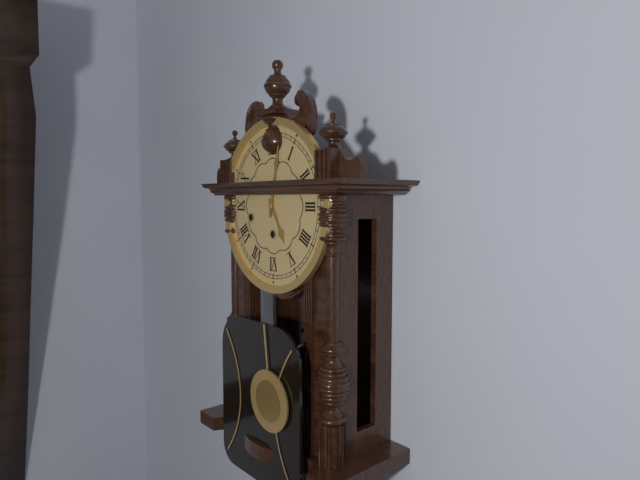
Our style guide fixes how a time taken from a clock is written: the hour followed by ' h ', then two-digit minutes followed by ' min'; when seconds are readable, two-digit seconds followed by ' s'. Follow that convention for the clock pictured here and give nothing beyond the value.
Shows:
5 h 02 min
